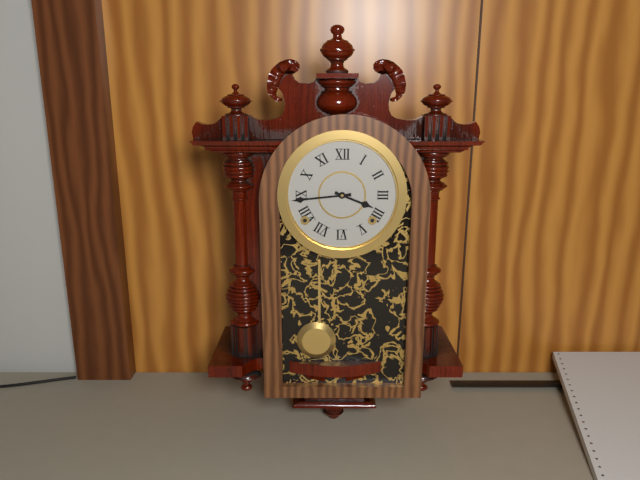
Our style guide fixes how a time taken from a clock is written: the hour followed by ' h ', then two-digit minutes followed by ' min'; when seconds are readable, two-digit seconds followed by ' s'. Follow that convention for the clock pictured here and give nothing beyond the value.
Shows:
3 h 44 min
